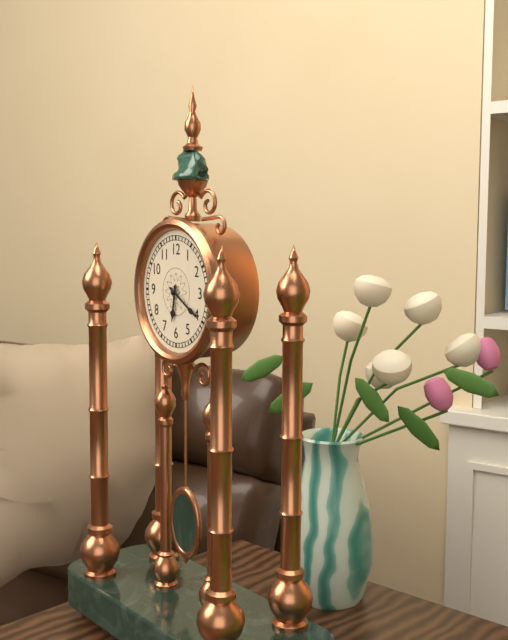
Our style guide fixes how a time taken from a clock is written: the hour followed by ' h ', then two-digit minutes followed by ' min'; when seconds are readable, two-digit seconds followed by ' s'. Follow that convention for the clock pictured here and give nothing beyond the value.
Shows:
6 h 20 min
